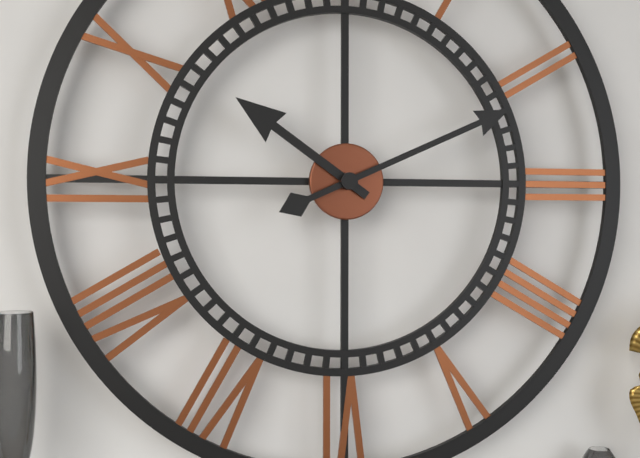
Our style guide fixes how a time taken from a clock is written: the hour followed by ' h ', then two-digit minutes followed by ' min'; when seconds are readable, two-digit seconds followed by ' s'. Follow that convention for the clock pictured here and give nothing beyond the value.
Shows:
10 h 11 min
